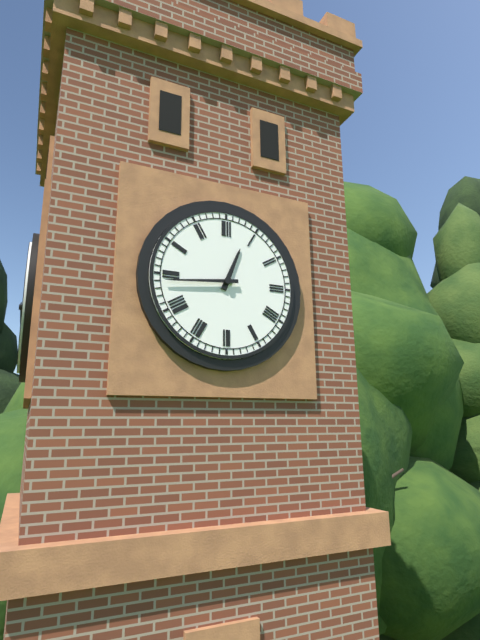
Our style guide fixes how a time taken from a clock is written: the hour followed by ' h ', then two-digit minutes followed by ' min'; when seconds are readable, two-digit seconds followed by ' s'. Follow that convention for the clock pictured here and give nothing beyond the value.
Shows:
12 h 44 min
